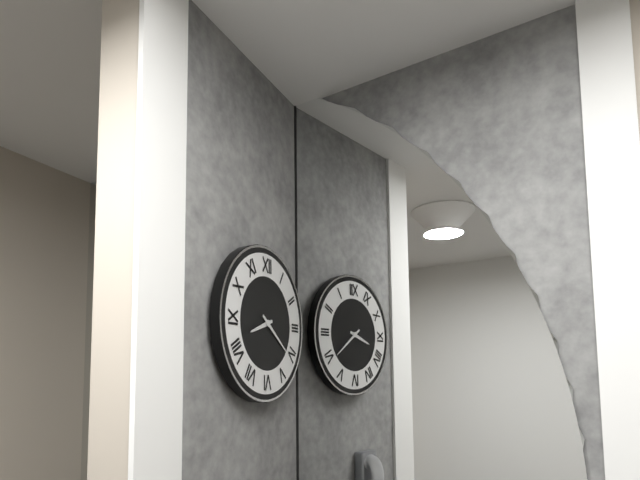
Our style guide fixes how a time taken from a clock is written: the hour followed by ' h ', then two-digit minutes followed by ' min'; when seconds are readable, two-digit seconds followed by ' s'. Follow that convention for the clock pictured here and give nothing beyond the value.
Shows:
8 h 21 min
